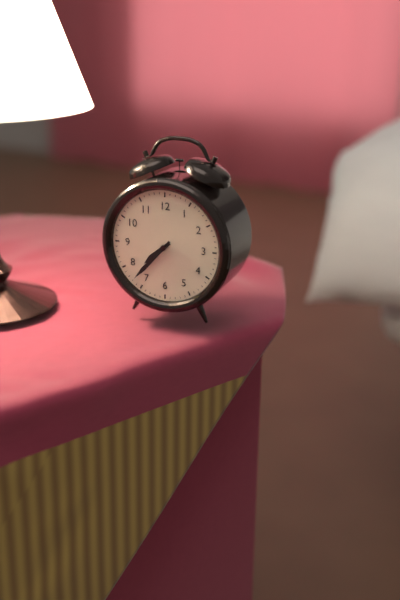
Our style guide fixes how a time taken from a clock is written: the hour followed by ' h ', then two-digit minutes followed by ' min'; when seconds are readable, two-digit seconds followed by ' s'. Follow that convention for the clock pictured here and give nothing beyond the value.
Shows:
7 h 37 min
